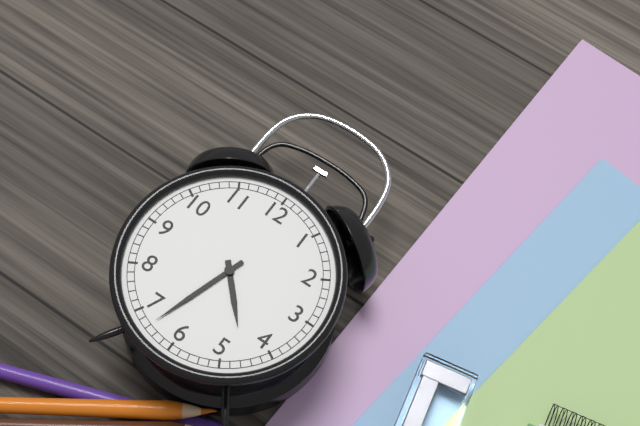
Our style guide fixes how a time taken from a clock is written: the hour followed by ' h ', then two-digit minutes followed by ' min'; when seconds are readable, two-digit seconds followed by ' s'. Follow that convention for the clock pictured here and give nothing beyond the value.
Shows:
4 h 33 min
